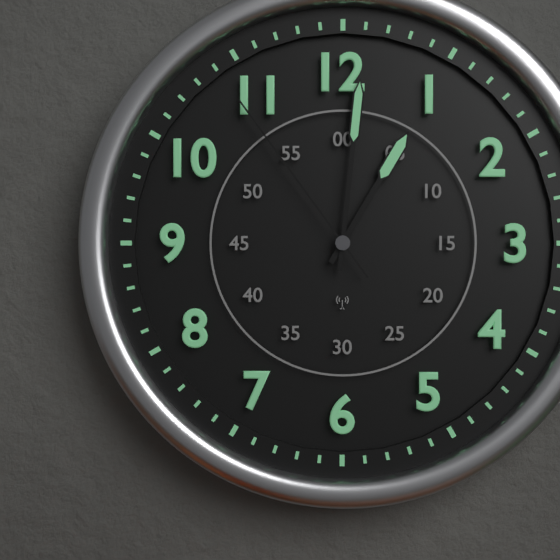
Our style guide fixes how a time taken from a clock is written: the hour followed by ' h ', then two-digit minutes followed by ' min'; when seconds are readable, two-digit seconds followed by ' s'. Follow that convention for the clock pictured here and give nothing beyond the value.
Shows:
1 h 01 min 54 s
